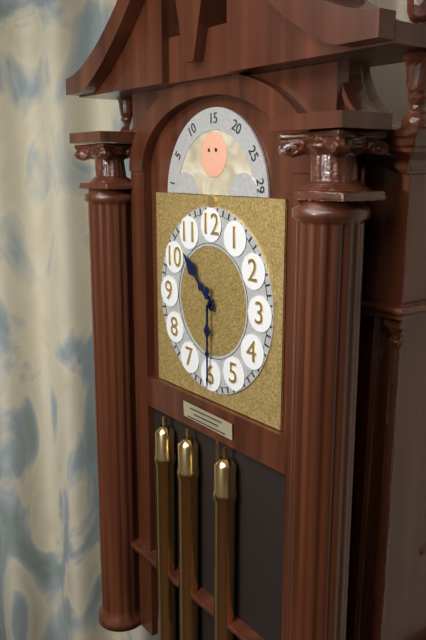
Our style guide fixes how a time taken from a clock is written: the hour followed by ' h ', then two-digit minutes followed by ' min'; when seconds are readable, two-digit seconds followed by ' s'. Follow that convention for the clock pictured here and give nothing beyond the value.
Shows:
10 h 30 min
